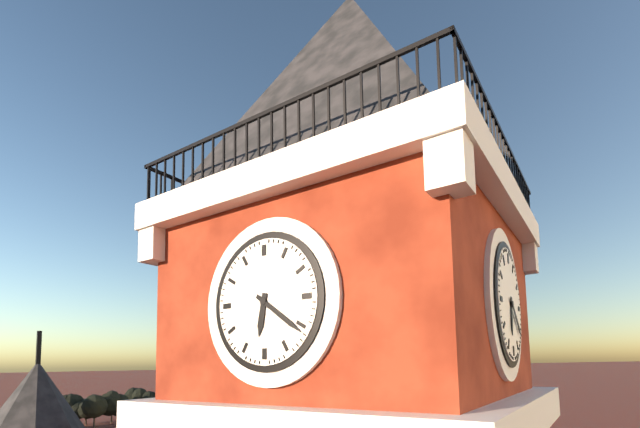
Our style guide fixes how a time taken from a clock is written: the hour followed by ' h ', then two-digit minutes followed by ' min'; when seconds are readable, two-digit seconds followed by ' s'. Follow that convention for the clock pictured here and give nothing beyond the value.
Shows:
6 h 21 min
